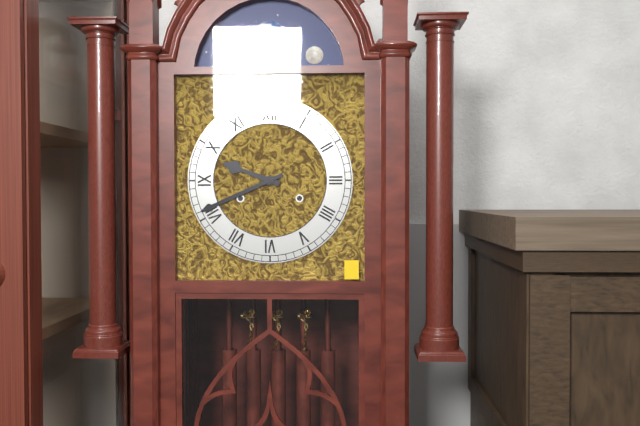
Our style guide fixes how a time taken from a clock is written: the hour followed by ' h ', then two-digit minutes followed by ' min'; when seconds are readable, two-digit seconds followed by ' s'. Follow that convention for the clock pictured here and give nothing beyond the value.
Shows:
9 h 41 min
